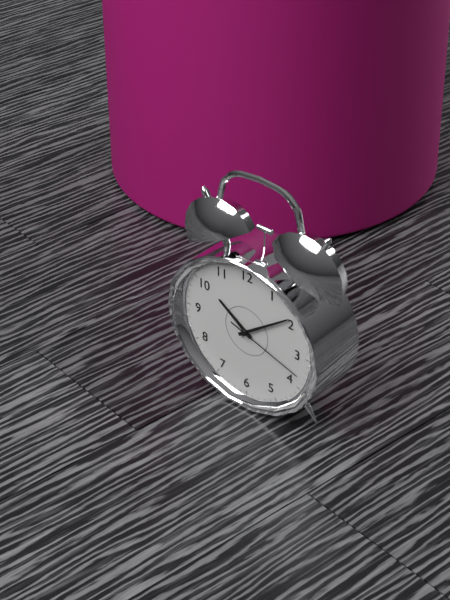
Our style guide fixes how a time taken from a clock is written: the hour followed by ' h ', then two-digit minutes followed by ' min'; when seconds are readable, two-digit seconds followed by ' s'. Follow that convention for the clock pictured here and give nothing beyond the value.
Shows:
10 h 09 min 18 s
